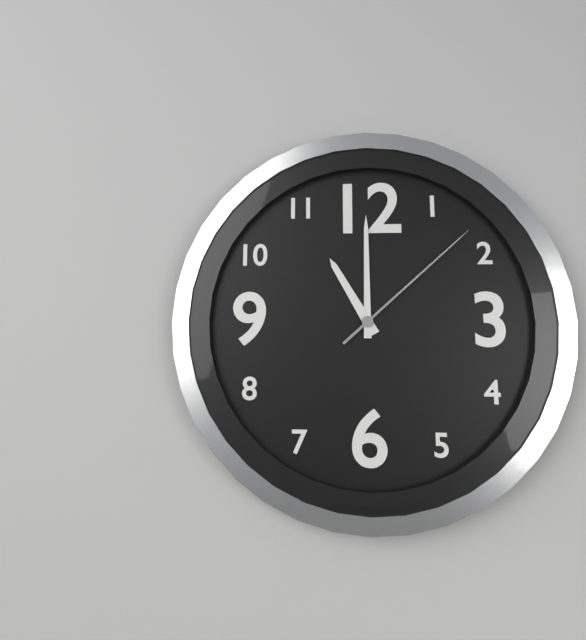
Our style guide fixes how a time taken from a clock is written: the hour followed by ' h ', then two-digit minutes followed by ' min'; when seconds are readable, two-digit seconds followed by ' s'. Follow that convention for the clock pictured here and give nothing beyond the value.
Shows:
11 h 00 min 08 s
